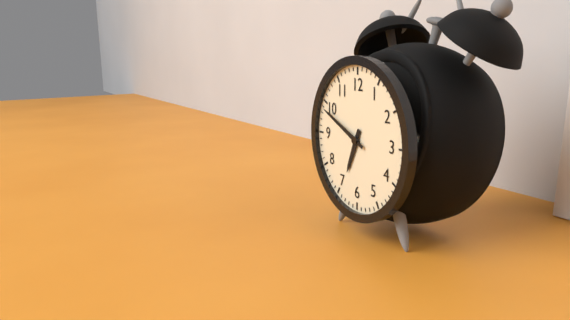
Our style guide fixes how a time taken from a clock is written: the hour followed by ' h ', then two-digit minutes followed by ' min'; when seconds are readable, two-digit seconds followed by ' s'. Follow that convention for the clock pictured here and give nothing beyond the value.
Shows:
6 h 49 min
